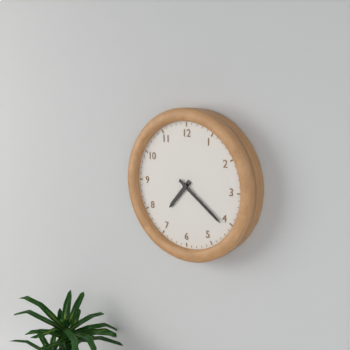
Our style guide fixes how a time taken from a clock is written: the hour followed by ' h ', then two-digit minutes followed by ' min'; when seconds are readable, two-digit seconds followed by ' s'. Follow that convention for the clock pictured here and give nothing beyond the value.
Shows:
7 h 21 min
